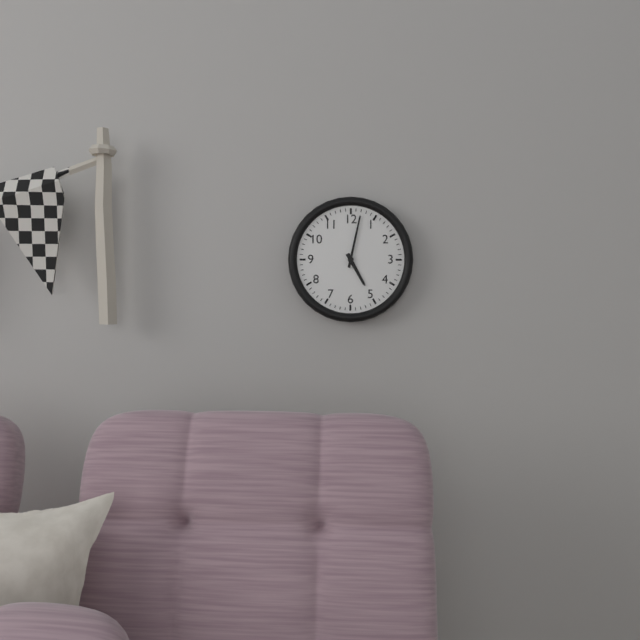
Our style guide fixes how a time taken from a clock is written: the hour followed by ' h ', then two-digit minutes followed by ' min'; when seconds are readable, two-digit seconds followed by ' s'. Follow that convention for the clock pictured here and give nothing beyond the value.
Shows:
5 h 02 min
